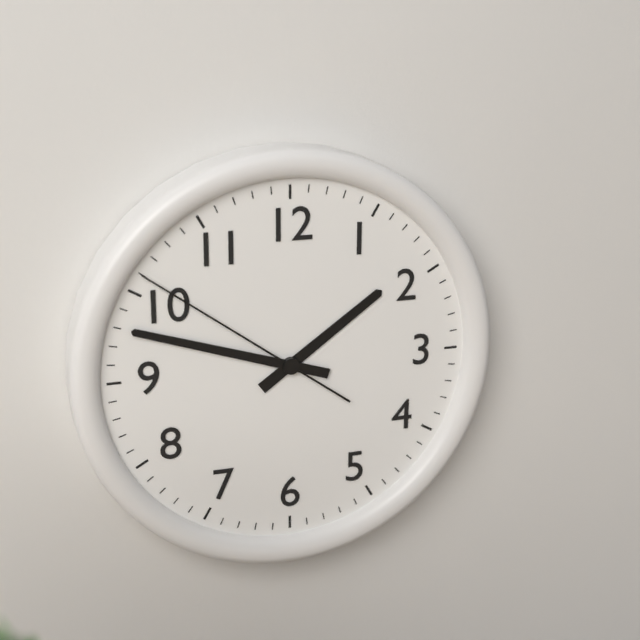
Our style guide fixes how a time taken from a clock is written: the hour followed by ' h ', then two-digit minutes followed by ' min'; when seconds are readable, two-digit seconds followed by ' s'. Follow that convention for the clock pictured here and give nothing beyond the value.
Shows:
1 h 48 min 51 s
